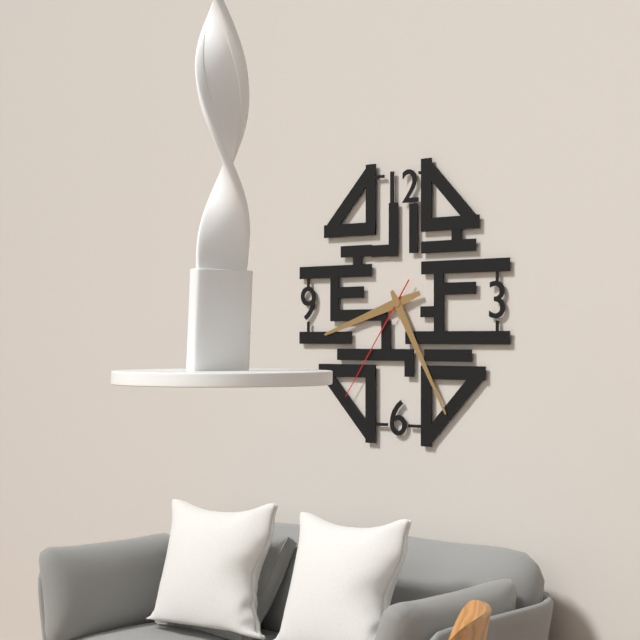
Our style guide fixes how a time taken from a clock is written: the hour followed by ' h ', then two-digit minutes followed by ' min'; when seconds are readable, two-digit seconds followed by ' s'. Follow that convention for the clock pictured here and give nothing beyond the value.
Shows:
8 h 25 min 36 s
